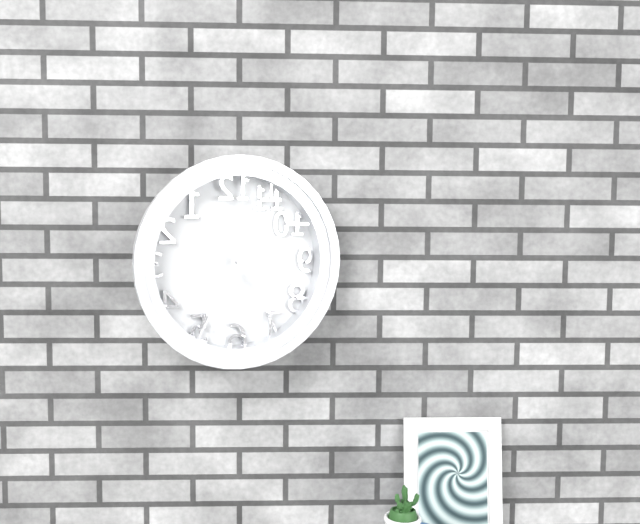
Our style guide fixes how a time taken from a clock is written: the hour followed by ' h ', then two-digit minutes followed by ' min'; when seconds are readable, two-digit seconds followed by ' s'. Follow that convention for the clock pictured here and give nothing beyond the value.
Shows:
4 h 35 min
